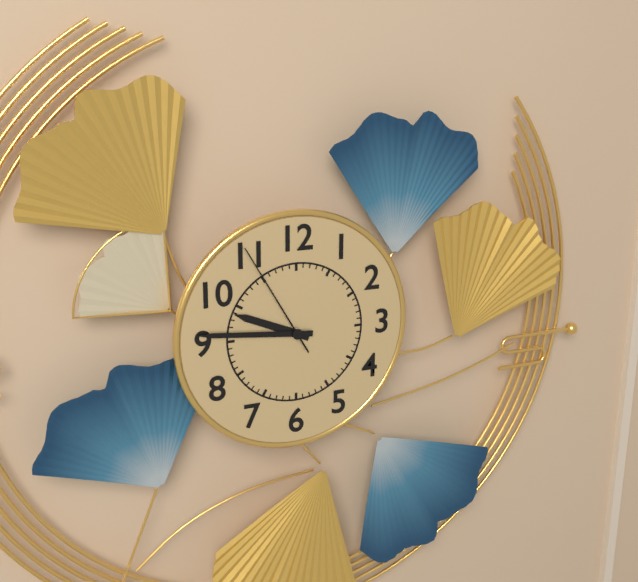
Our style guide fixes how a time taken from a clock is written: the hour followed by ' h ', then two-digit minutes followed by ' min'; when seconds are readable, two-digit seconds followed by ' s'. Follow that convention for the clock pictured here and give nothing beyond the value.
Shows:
9 h 46 min 55 s
